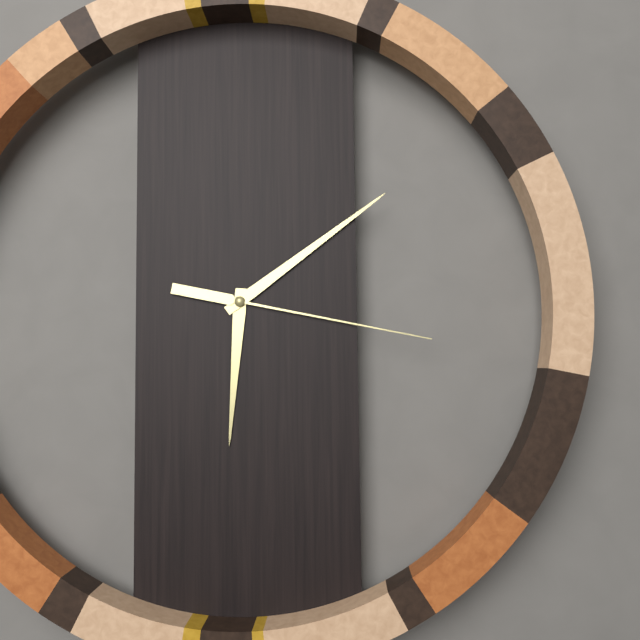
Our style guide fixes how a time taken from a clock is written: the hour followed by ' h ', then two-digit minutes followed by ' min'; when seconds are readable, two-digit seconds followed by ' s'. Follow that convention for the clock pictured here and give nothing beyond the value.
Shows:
6 h 09 min 17 s
